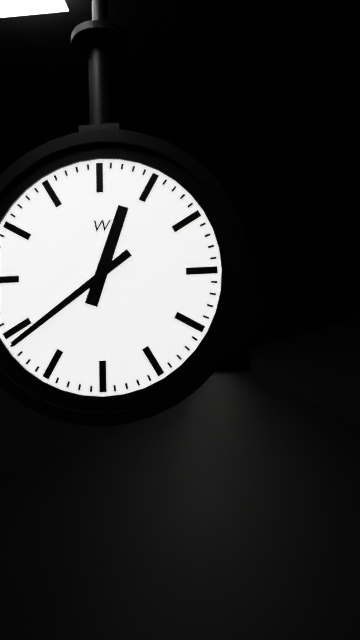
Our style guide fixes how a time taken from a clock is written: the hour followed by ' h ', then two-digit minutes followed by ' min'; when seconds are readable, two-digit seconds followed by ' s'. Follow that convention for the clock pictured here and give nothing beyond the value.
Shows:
12 h 39 min
